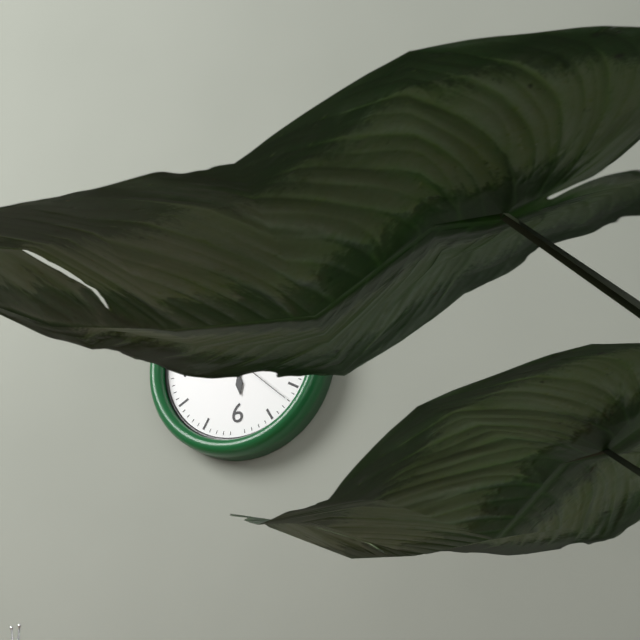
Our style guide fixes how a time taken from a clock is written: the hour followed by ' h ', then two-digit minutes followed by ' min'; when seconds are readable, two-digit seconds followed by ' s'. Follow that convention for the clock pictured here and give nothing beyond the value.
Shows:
5 h 49 min 22 s
